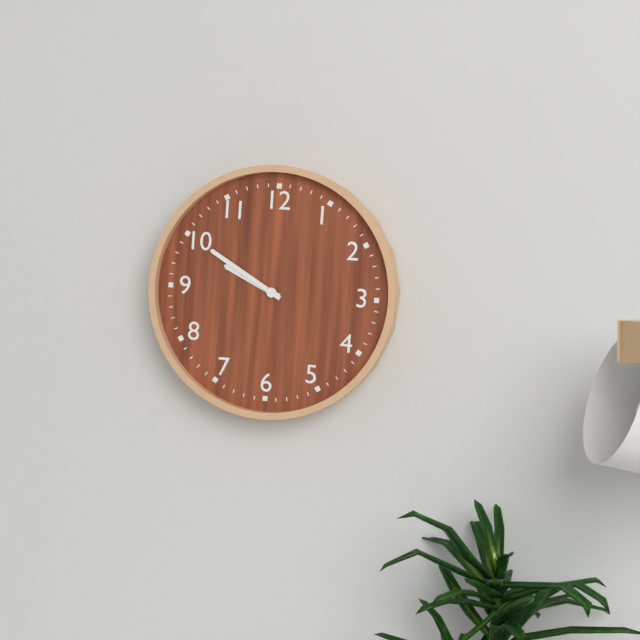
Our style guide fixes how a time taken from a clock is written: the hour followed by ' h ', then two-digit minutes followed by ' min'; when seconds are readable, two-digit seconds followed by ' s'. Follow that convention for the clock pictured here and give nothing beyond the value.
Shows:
9 h 50 min
